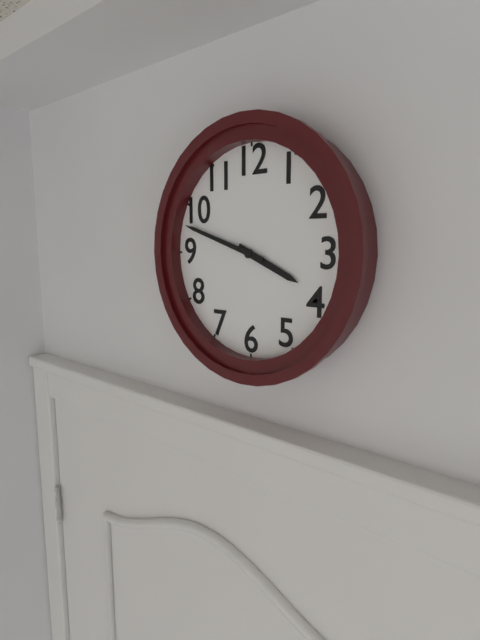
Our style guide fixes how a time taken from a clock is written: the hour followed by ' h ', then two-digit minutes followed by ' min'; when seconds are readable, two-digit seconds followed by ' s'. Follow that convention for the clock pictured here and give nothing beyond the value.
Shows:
3 h 48 min
